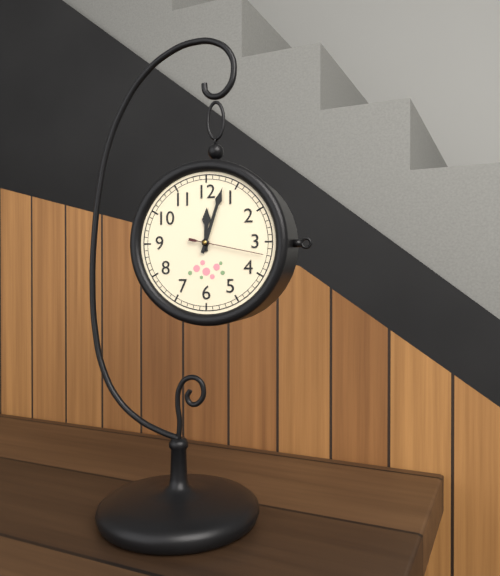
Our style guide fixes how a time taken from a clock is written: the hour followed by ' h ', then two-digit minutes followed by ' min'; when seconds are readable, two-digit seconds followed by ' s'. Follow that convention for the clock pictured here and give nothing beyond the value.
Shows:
12 h 03 min 17 s
